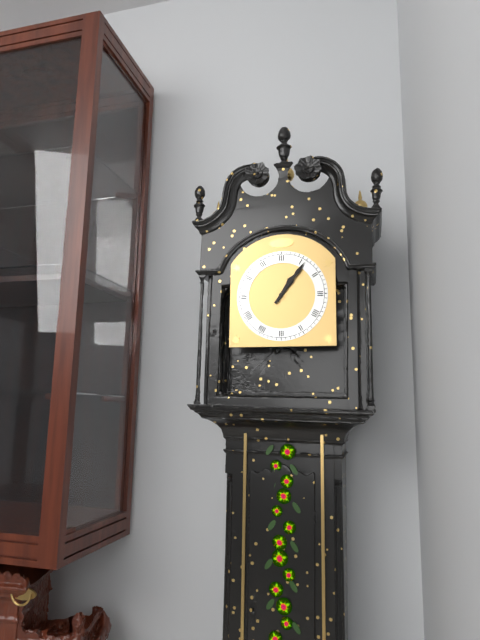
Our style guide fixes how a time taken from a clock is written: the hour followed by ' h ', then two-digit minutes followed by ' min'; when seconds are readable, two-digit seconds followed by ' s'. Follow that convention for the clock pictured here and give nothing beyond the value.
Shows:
1 h 06 min
